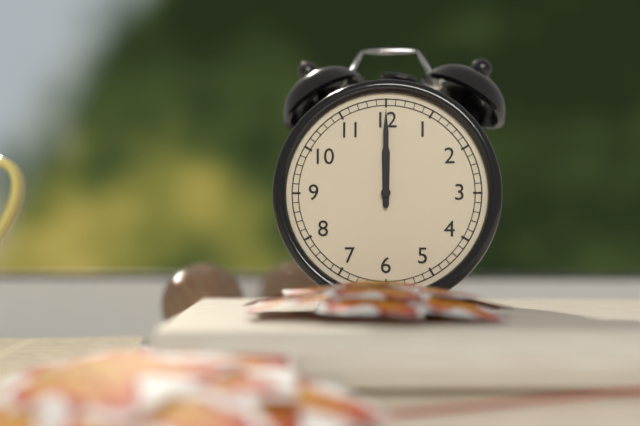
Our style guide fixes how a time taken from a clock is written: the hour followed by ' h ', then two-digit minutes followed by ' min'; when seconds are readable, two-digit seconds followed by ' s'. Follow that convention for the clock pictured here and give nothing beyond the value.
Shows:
12 h 00 min
